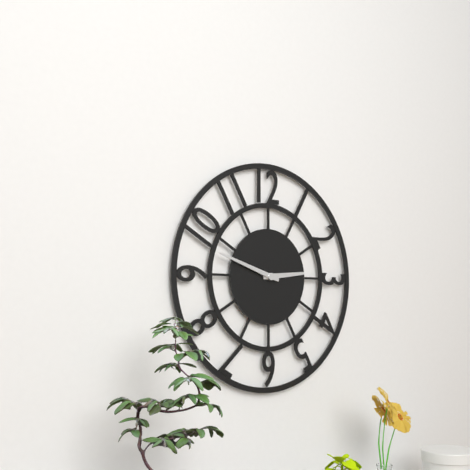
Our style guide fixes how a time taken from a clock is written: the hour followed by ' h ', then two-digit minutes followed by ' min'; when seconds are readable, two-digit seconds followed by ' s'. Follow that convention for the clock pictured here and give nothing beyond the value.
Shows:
2 h 48 min
